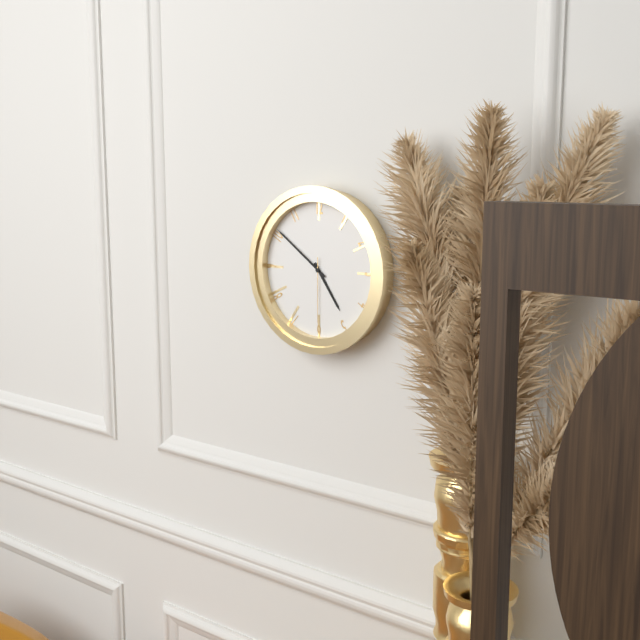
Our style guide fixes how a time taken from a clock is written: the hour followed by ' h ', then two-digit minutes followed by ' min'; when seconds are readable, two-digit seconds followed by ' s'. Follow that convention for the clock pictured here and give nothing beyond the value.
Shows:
4 h 51 min 30 s
